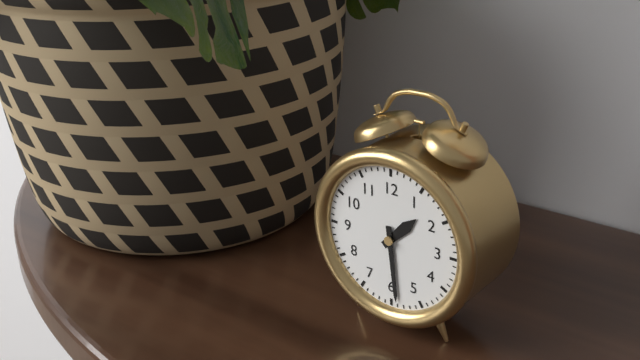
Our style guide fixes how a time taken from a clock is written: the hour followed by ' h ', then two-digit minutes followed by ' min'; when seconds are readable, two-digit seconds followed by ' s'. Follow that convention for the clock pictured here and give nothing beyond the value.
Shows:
1 h 29 min
